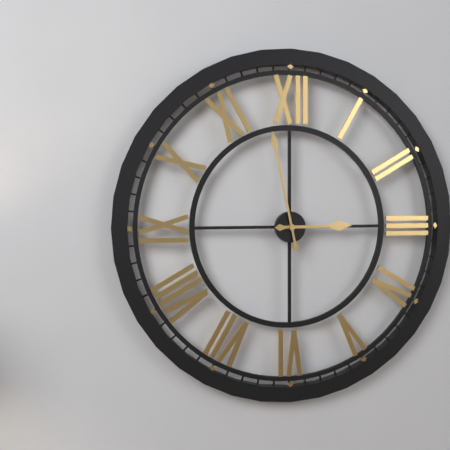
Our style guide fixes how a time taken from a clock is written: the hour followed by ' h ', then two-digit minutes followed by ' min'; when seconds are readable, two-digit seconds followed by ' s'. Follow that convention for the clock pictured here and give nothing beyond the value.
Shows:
2 h 58 min
